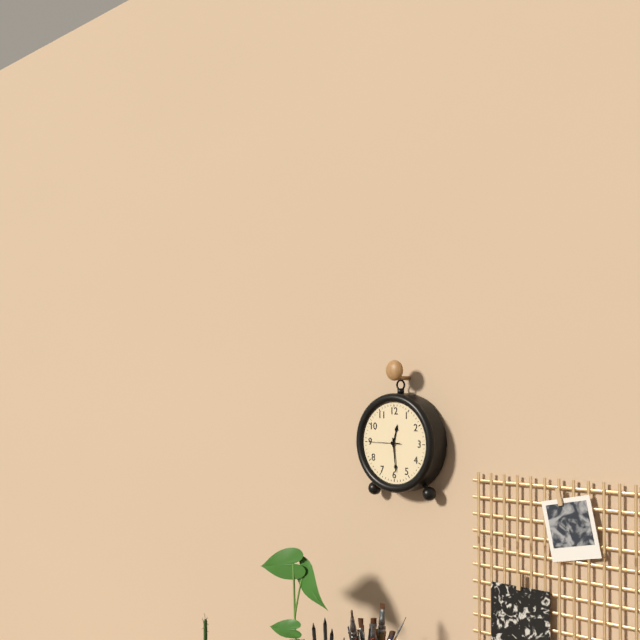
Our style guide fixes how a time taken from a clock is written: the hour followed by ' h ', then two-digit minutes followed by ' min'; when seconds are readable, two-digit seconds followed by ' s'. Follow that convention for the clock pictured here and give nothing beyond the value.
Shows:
12 h 29 min
